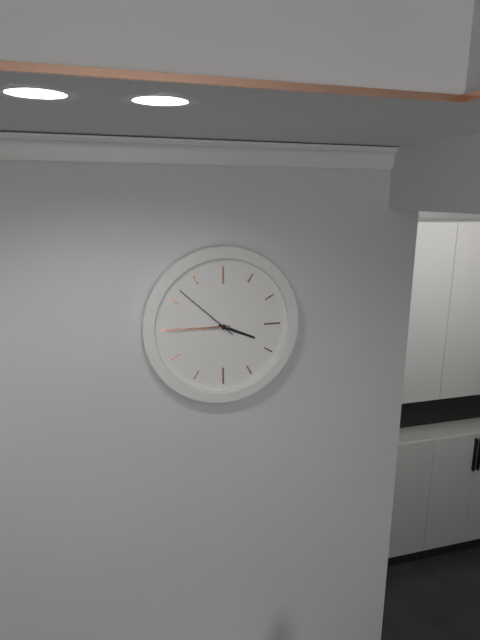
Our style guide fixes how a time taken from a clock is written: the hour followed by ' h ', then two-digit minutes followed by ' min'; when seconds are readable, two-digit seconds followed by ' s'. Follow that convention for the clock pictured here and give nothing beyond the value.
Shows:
3 h 45 min 52 s
